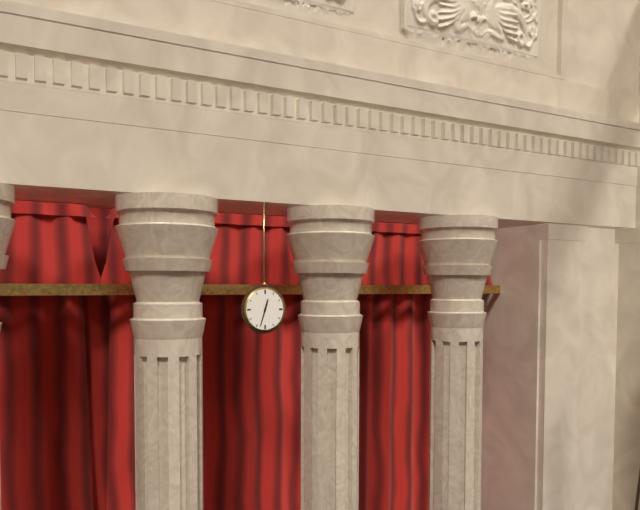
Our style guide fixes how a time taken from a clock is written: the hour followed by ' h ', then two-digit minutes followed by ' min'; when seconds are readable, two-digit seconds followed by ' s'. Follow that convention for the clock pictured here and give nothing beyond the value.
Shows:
12 h 33 min
